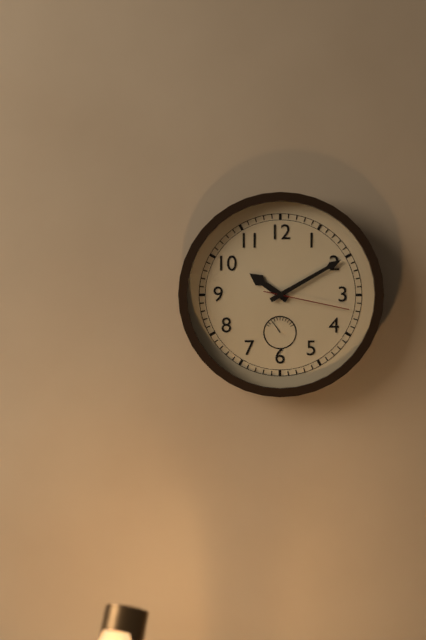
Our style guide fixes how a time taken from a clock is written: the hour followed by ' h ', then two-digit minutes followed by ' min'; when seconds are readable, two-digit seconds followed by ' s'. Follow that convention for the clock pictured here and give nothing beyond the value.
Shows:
10 h 10 min 17 s
